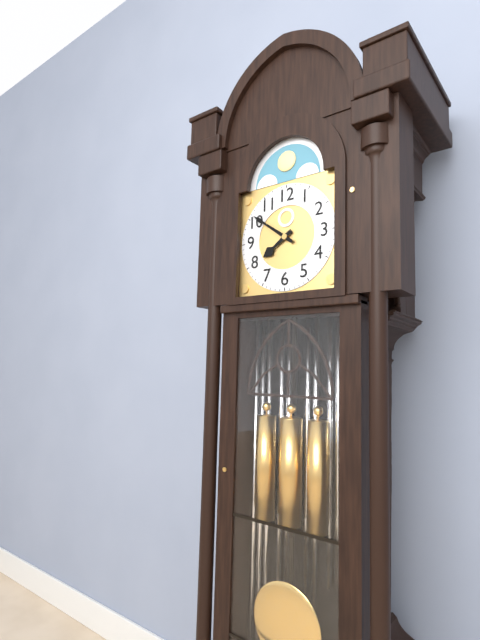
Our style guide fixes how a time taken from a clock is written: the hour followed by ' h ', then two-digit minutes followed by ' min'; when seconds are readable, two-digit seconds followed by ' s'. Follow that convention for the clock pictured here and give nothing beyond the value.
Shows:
7 h 51 min
